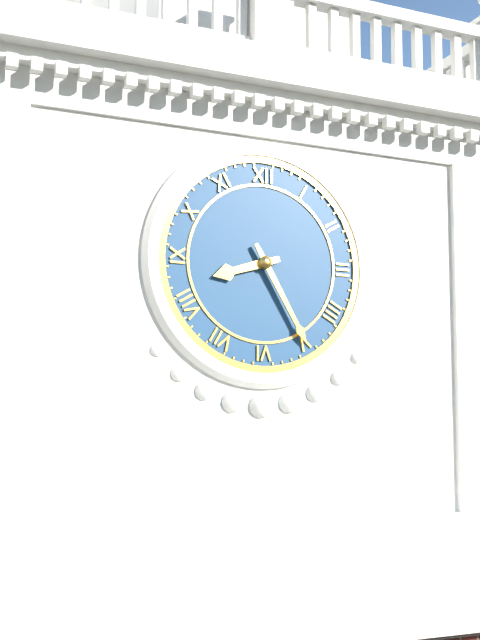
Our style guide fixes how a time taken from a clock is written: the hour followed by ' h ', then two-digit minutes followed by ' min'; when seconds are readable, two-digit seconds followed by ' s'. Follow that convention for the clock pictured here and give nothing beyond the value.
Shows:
8 h 25 min
